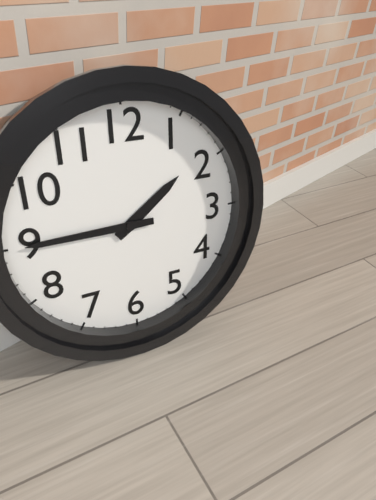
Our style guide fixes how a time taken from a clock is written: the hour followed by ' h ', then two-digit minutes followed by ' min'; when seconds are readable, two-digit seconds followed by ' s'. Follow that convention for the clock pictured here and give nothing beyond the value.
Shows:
1 h 45 min
